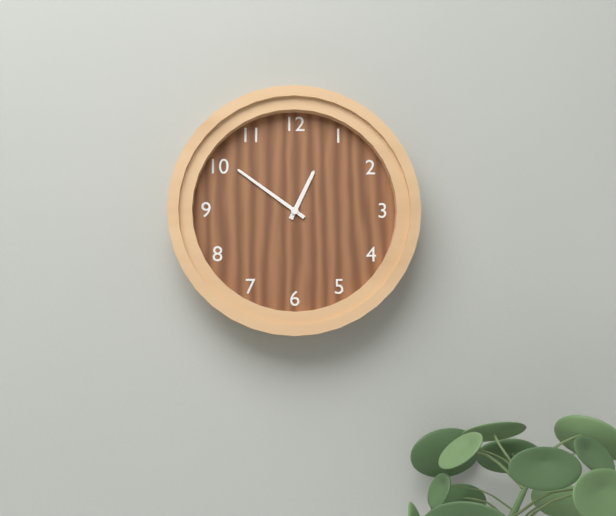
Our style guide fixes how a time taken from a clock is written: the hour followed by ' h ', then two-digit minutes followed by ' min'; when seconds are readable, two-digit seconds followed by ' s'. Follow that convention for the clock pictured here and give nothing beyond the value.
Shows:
12 h 51 min
